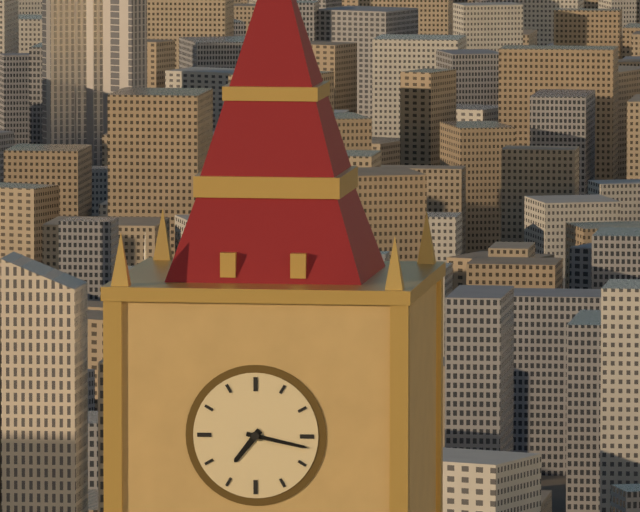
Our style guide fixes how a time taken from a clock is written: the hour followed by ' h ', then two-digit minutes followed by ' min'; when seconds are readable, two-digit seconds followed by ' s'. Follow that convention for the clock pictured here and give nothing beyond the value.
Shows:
7 h 17 min
